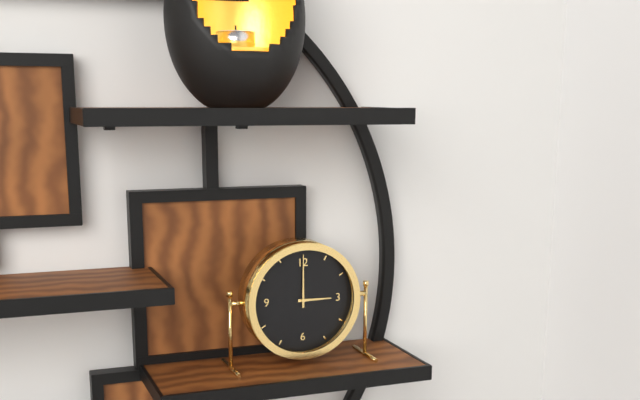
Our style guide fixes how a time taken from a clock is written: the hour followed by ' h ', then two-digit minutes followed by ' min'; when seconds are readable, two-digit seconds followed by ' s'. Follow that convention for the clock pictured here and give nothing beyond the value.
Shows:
3 h 00 min
